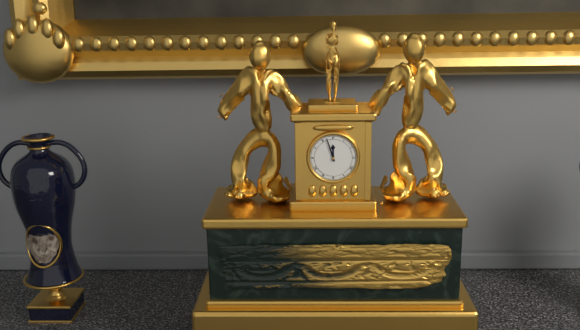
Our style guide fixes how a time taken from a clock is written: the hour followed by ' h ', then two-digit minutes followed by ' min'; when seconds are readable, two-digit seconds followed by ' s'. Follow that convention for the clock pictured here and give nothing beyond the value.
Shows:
11 h 57 min
